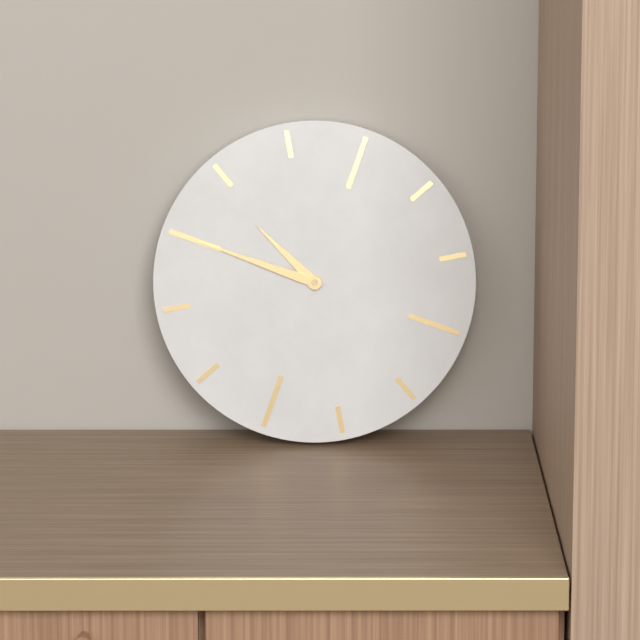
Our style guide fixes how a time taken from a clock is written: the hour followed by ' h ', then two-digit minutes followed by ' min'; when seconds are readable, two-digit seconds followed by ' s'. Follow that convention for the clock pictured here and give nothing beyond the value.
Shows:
10 h 50 min
